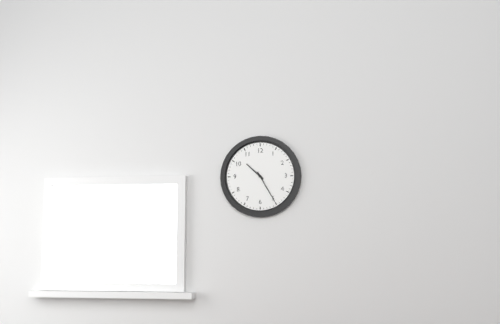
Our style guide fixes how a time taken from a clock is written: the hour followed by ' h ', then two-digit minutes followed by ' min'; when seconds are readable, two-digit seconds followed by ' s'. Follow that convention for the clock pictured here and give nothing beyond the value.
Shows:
10 h 25 min
